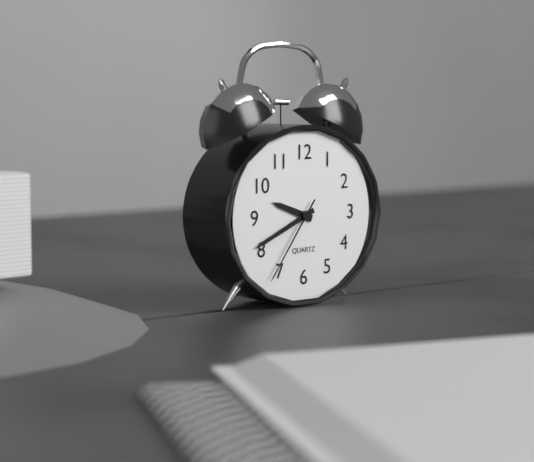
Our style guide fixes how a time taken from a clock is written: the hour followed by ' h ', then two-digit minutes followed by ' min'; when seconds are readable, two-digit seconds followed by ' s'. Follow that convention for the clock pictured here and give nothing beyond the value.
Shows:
9 h 41 min 36 s
